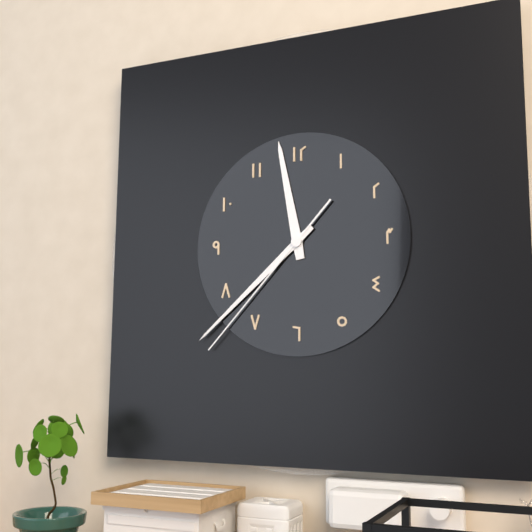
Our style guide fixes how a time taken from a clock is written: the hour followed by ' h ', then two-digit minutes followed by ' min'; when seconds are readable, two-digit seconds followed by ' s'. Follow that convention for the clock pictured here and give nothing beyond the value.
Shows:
11 h 38 min 37 s
